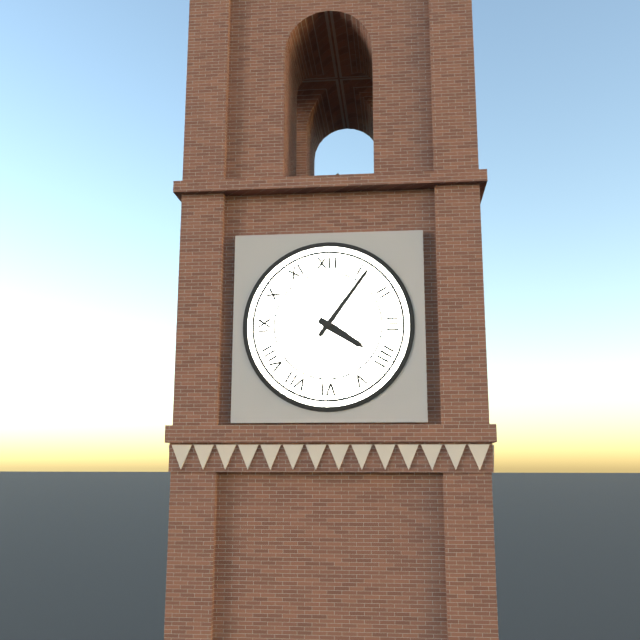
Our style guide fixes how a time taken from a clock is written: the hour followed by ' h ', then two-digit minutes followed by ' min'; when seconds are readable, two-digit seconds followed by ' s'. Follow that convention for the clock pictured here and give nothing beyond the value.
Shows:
4 h 06 min
